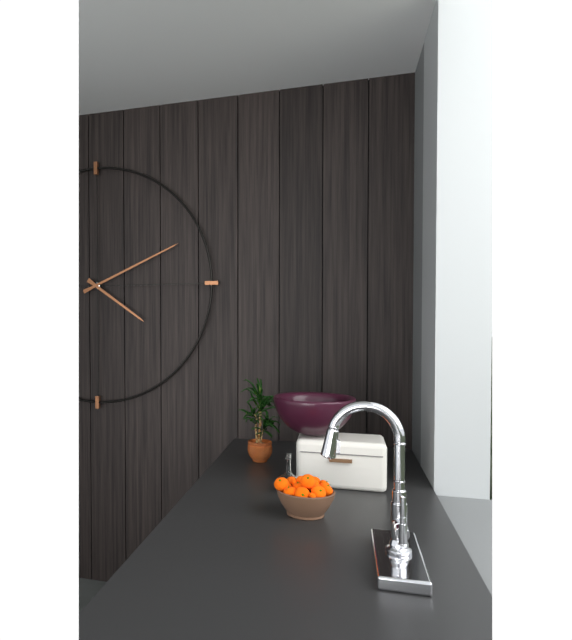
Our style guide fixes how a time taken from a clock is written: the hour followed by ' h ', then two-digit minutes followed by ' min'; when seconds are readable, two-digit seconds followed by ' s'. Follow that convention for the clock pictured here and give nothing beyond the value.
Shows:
4 h 11 min
